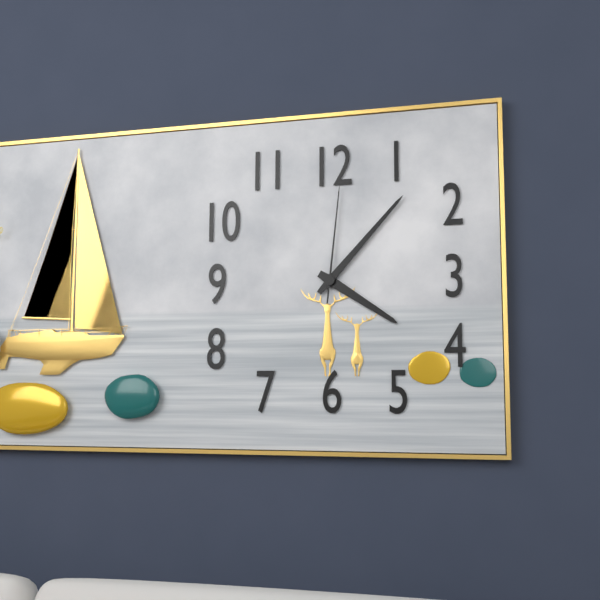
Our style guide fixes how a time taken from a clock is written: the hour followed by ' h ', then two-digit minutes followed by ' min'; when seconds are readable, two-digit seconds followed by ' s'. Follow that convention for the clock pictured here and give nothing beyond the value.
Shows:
4 h 07 min 01 s
